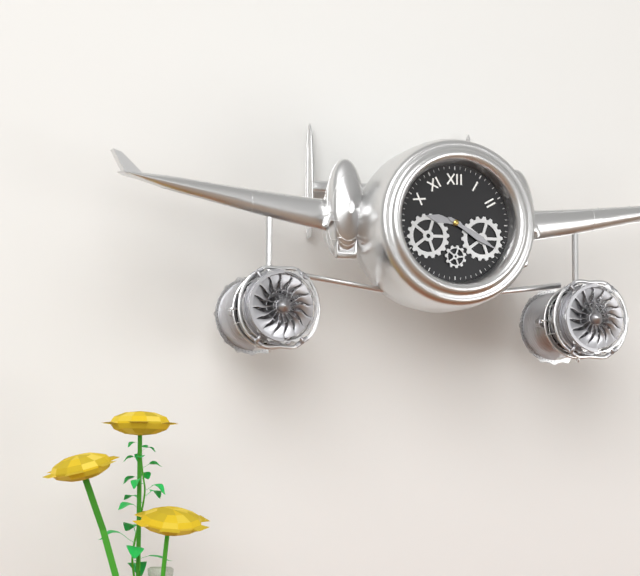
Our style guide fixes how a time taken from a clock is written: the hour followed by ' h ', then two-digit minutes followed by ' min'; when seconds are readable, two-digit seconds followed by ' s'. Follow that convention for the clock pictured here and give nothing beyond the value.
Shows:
9 h 20 min
